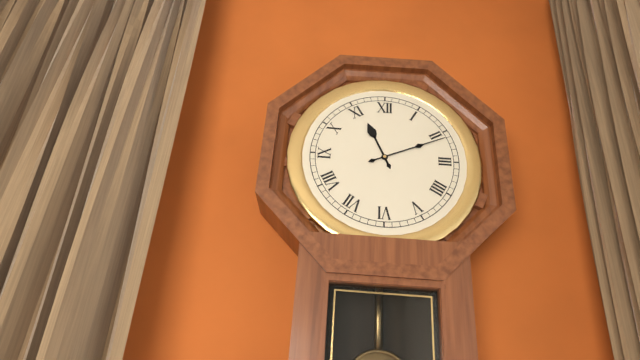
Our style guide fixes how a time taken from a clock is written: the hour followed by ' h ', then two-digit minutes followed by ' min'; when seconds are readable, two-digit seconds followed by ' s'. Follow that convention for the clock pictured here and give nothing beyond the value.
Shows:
11 h 11 min
